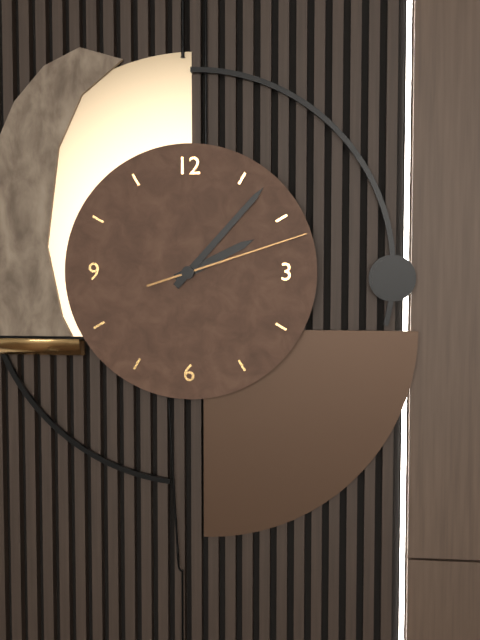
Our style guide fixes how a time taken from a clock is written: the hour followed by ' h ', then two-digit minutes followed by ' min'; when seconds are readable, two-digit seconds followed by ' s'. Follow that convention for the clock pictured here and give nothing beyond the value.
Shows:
2 h 07 min 12 s
